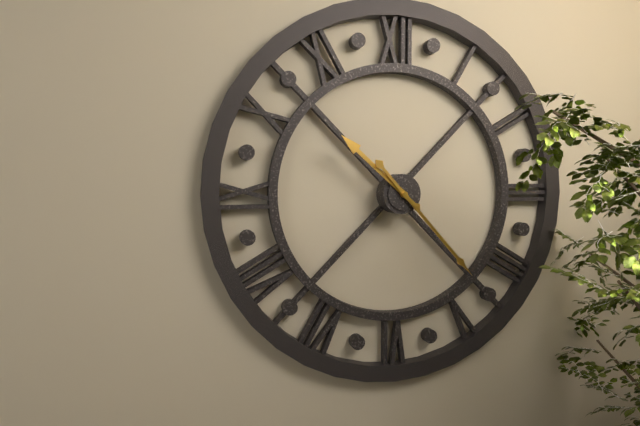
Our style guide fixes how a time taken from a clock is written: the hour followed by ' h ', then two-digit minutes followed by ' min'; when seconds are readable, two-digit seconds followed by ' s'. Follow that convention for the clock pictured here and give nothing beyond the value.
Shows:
10 h 23 min
